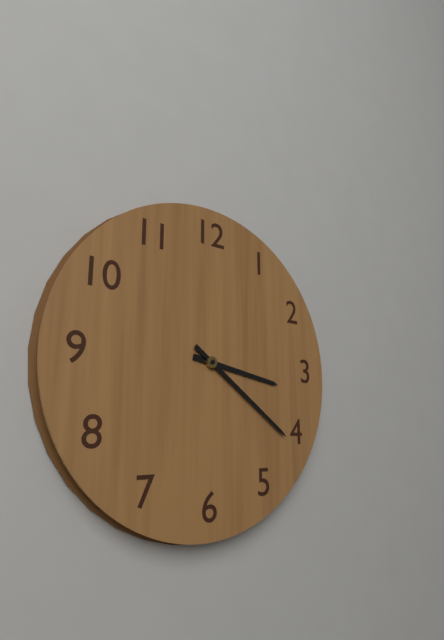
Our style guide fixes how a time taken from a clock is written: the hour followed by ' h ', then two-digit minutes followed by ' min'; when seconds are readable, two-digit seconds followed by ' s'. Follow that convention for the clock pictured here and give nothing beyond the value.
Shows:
3 h 21 min
